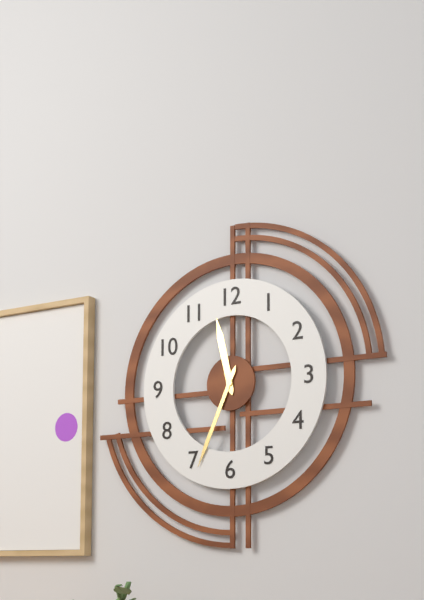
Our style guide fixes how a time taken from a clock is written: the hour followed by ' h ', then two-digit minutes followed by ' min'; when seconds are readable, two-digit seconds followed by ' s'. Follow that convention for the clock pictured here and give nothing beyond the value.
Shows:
11 h 34 min
